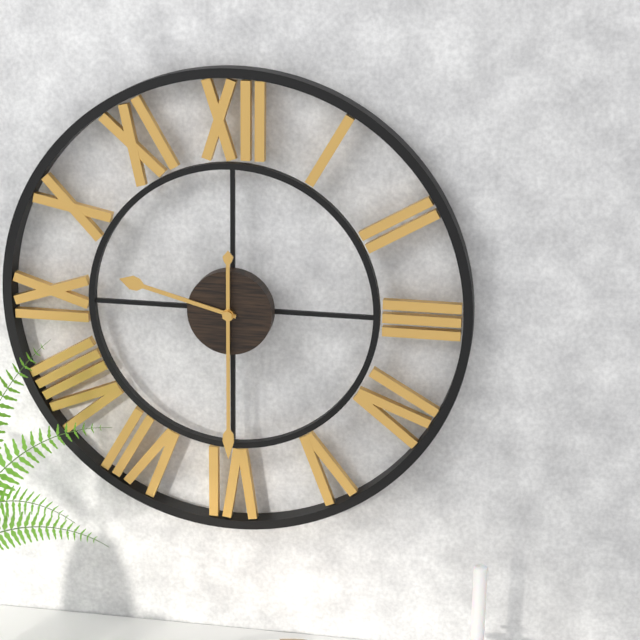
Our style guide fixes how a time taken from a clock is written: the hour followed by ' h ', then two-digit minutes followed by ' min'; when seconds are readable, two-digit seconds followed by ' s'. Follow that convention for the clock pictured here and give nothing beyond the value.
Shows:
9 h 30 min
